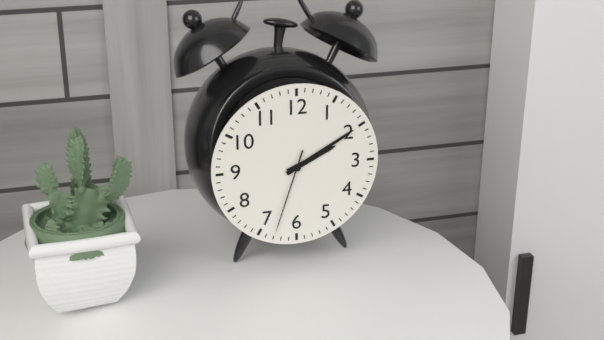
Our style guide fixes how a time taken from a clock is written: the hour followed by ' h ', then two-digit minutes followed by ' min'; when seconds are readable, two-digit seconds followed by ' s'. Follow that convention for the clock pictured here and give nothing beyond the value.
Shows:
2 h 10 min 33 s
